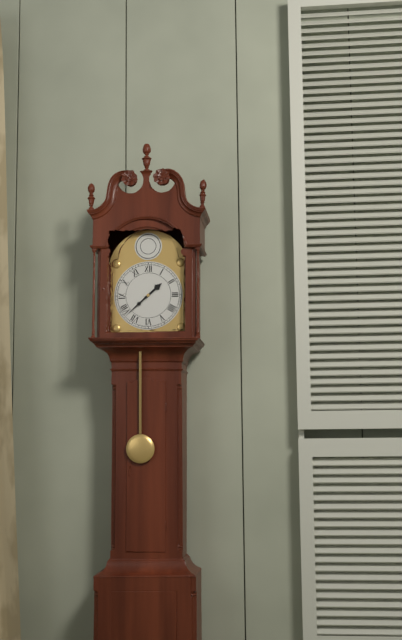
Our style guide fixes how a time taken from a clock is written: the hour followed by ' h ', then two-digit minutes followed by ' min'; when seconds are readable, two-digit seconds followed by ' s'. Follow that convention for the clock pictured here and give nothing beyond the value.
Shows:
1 h 38 min
